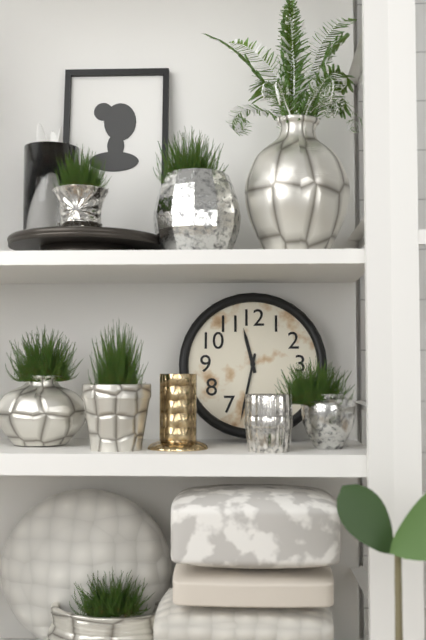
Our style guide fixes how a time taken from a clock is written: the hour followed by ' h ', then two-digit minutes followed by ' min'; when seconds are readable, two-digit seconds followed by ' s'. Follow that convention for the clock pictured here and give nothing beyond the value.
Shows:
11 h 32 min
